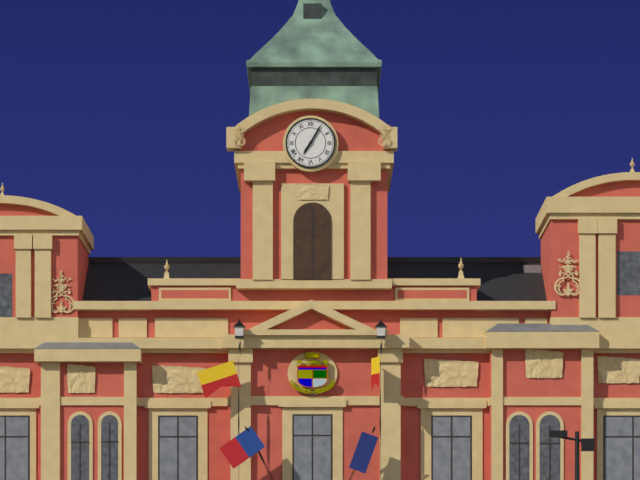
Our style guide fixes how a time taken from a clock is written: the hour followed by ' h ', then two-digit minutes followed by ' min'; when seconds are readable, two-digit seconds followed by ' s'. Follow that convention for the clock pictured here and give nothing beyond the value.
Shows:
7 h 05 min
